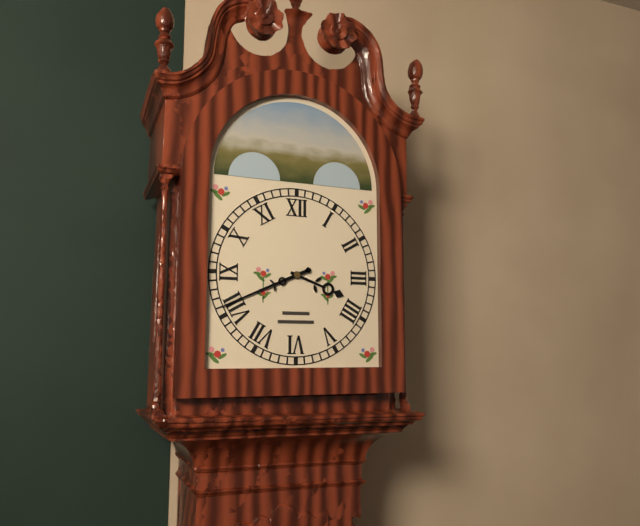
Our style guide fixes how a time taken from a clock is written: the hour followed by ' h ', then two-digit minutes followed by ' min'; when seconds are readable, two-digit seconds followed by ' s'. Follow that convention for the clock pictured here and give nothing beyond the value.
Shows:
3 h 41 min
